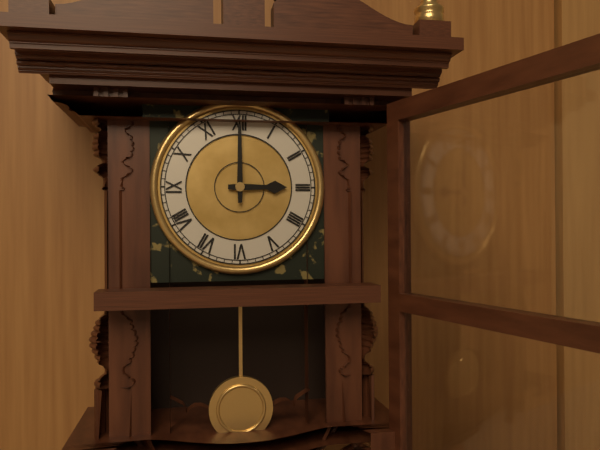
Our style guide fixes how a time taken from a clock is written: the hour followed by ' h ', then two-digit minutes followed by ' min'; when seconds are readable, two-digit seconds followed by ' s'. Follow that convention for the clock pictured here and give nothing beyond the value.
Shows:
3 h 00 min
